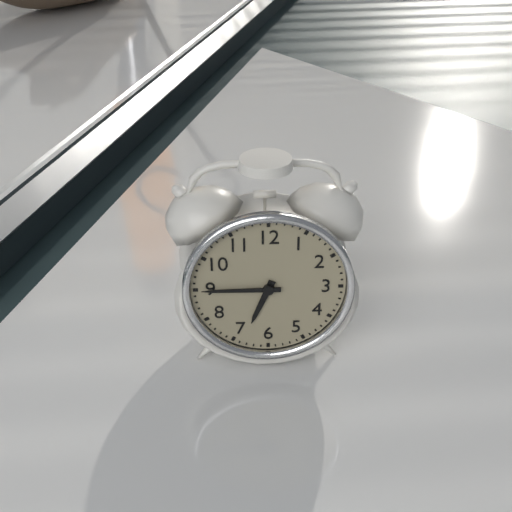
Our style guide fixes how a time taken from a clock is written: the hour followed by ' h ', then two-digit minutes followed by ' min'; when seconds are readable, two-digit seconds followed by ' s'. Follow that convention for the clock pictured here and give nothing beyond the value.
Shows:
6 h 45 min
